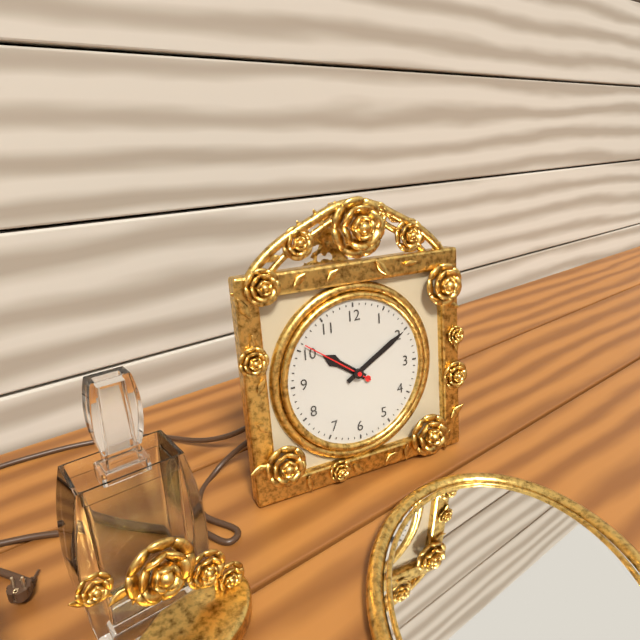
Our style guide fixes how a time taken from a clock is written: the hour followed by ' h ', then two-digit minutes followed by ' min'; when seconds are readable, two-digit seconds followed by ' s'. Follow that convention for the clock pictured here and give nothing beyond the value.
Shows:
10 h 10 min 51 s
